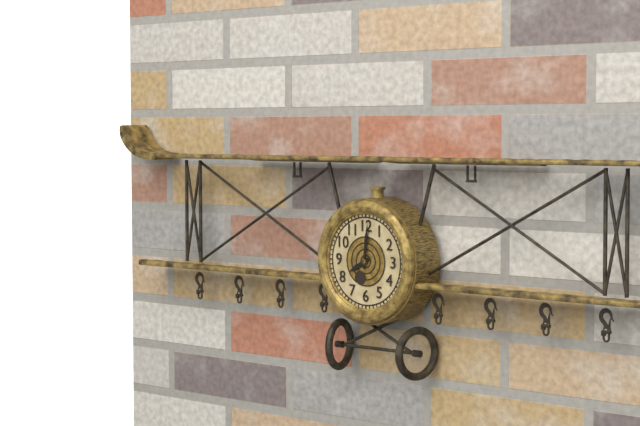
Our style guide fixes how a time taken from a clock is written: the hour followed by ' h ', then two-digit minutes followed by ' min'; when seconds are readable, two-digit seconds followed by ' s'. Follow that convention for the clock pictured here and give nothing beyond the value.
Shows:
8 h 01 min
